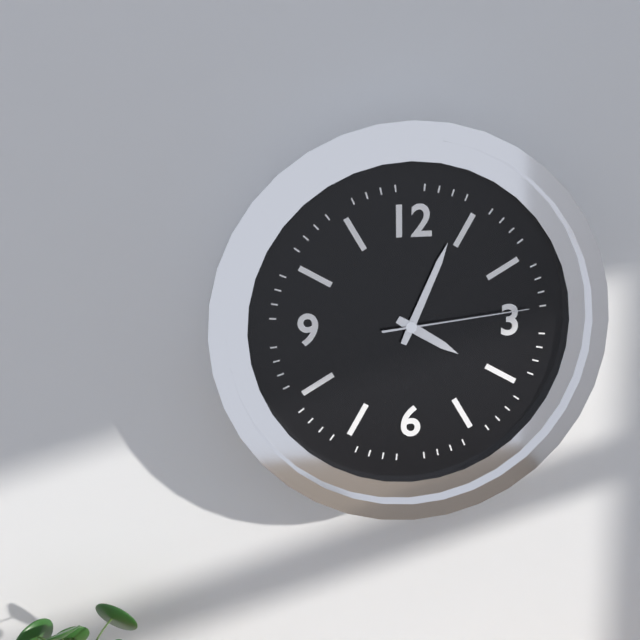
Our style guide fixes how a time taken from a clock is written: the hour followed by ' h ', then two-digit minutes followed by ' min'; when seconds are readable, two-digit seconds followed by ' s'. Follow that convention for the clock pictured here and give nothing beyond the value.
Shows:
4 h 04 min 14 s
